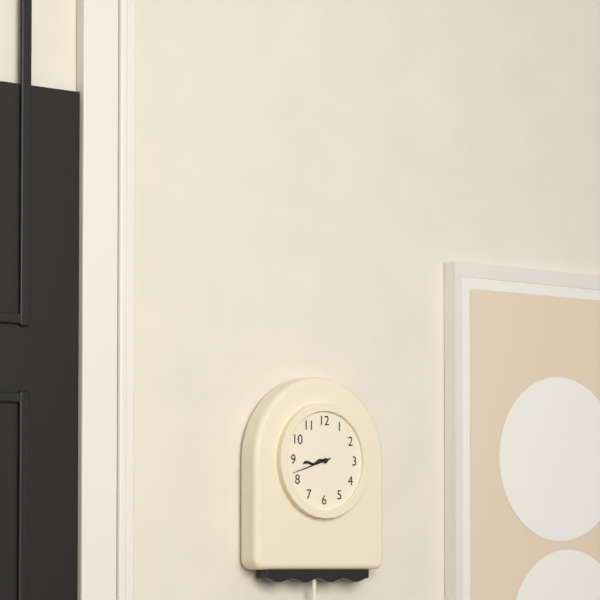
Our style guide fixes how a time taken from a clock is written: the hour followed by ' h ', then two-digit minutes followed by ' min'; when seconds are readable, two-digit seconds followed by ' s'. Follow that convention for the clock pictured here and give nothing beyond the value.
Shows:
8 h 42 min
